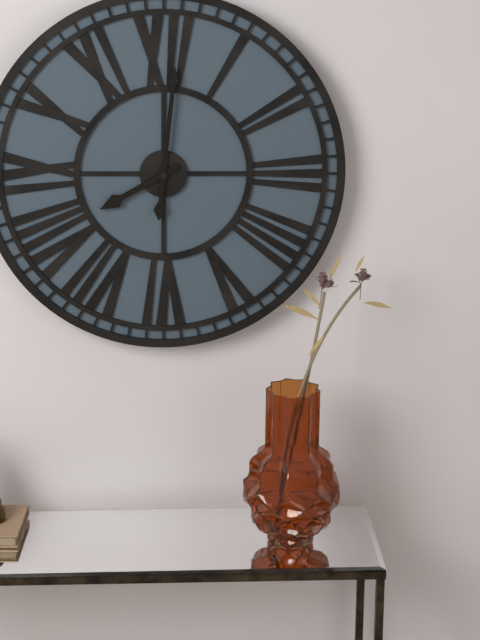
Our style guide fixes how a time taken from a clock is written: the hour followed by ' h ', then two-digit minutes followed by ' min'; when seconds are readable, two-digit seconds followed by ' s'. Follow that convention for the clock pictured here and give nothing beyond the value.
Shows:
8 h 01 min
